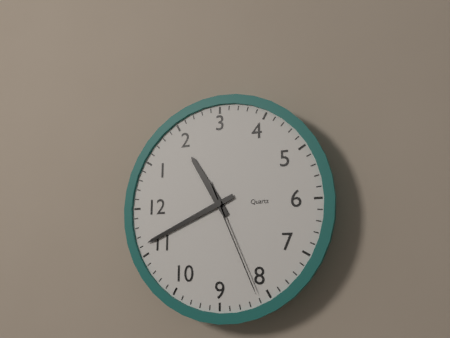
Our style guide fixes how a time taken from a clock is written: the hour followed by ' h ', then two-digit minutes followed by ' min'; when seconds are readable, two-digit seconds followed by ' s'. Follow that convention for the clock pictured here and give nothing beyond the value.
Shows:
1 h 56 min 41 s
